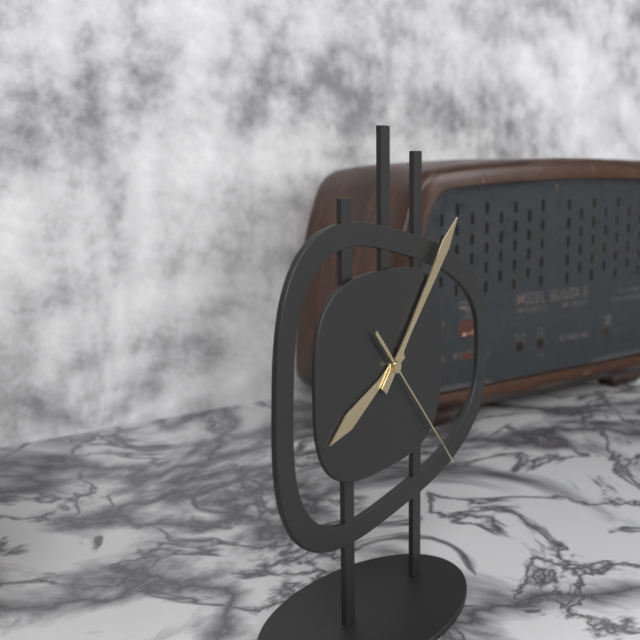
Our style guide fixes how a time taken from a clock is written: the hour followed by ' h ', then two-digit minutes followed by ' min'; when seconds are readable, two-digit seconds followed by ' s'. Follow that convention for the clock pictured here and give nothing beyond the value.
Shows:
8 h 07 min 23 s
